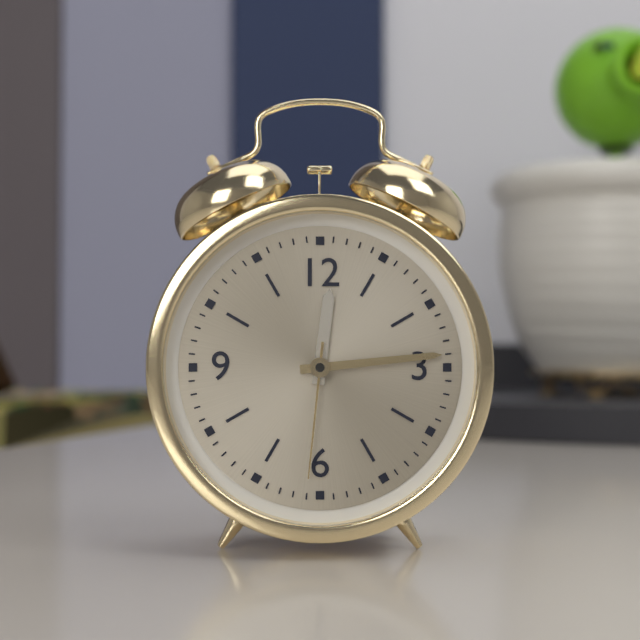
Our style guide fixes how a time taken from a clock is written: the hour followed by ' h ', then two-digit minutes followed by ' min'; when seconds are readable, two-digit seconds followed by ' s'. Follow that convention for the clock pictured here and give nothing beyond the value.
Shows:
12 h 14 min 31 s
